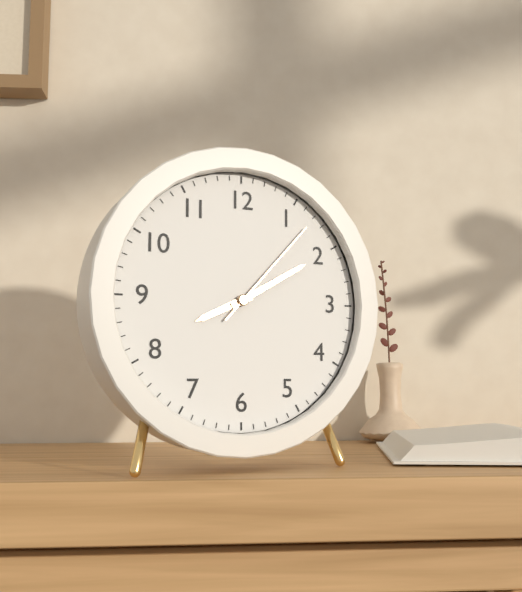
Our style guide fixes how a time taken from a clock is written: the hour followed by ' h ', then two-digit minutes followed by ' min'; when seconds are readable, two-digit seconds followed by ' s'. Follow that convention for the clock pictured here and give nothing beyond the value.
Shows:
8 h 10 min 07 s
